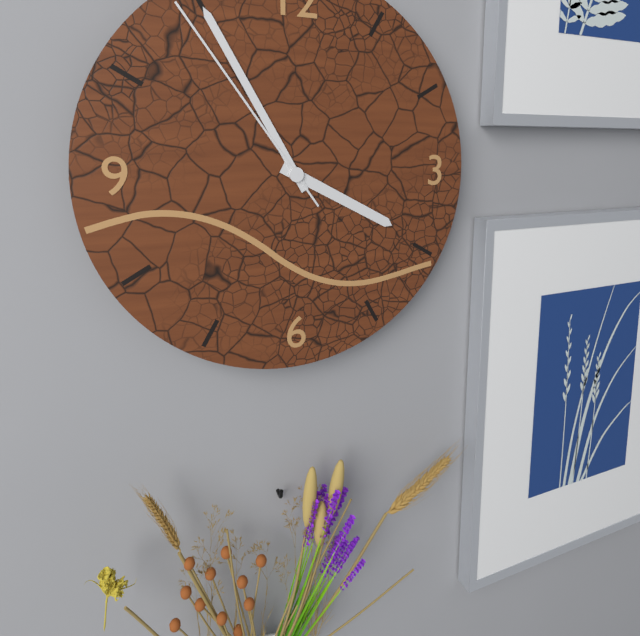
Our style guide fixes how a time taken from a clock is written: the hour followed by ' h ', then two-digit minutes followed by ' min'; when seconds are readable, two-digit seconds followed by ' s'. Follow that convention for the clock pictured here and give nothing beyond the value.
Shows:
3 h 55 min 54 s
